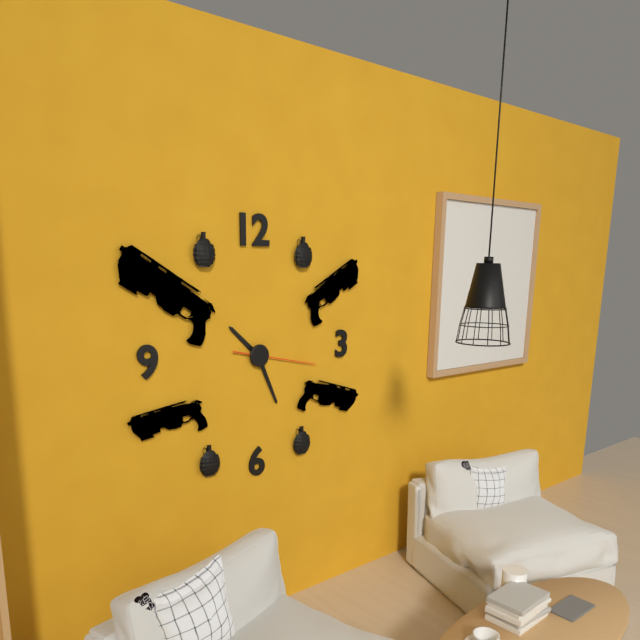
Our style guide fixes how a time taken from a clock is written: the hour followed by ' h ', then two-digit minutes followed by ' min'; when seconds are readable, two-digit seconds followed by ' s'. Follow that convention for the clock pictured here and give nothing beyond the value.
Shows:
10 h 26 min 17 s
